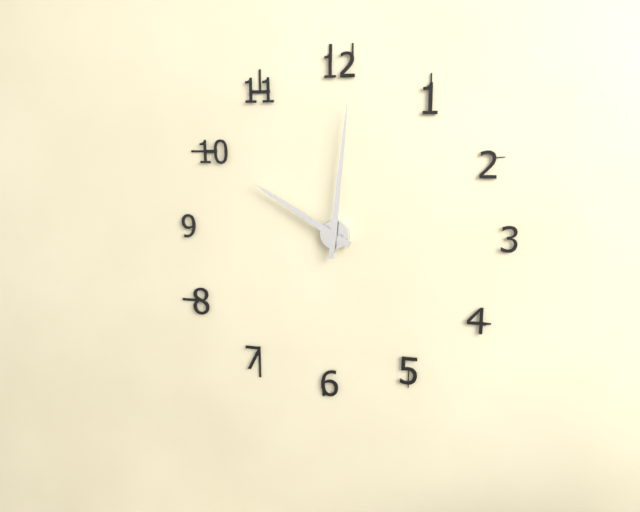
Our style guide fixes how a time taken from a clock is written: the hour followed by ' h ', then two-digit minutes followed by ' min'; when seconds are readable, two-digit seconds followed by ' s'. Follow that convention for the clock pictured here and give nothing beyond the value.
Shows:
10 h 01 min
